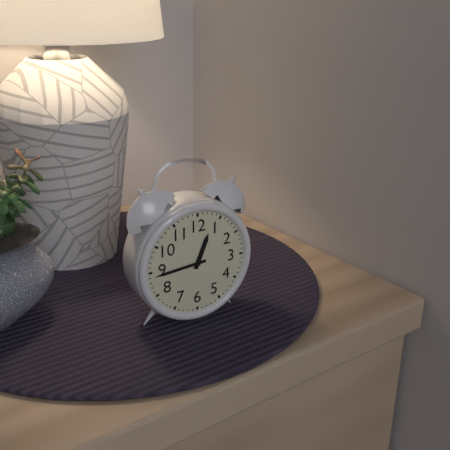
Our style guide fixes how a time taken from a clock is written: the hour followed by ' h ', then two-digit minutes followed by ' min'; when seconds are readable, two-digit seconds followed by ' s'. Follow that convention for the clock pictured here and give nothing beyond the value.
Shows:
12 h 44 min
